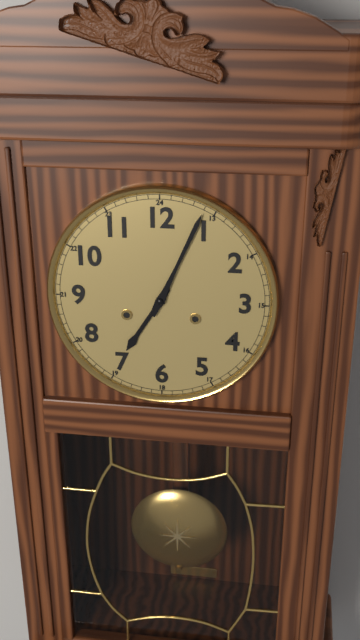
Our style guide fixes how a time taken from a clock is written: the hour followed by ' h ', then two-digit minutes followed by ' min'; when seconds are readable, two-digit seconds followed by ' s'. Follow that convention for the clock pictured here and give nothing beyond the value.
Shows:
7 h 04 min
